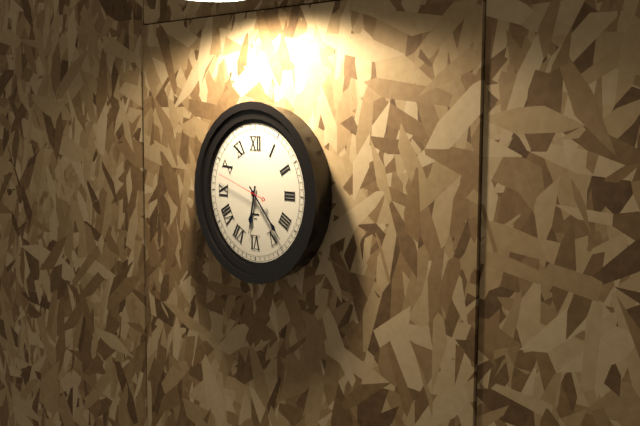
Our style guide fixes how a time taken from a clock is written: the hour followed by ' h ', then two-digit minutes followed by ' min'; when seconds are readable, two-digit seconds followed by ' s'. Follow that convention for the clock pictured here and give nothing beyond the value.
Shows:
6 h 23 min
